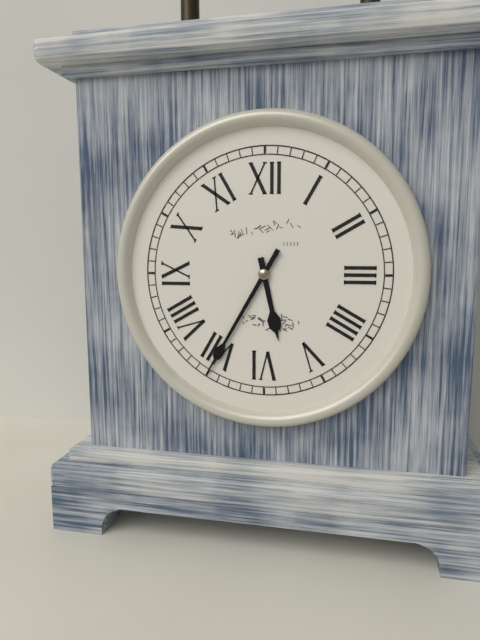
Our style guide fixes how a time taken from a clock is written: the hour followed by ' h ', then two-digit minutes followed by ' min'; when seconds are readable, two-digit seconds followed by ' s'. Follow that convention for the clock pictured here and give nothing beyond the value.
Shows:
5 h 35 min
